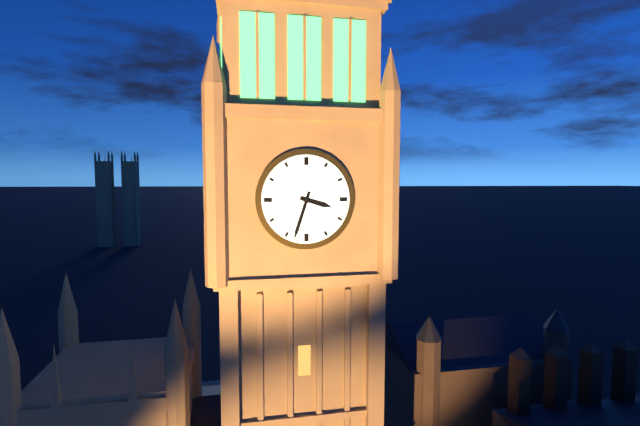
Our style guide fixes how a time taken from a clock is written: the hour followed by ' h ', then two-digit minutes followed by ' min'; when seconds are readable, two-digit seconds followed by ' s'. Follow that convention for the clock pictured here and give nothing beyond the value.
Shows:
3 h 33 min
